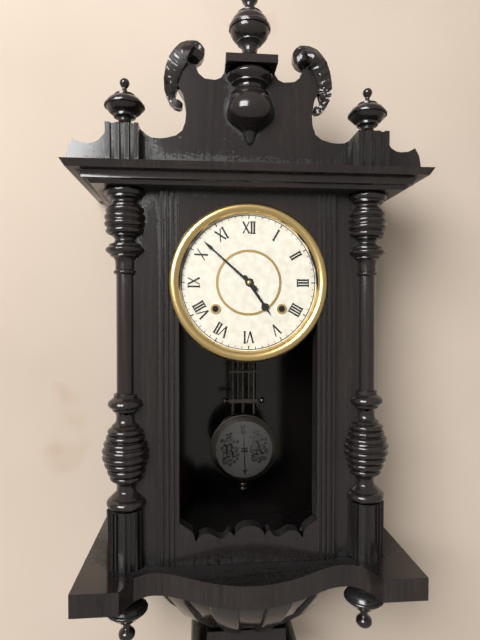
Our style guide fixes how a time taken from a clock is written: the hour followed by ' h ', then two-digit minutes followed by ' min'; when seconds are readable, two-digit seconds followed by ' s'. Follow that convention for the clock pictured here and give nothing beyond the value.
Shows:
4 h 52 min
